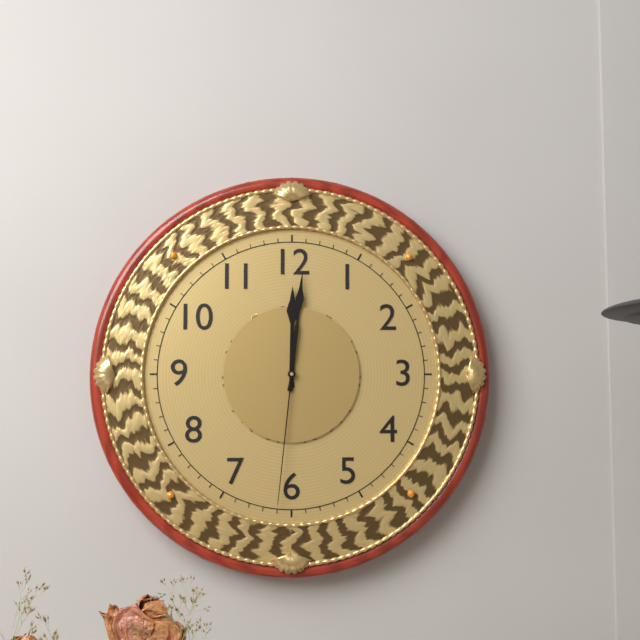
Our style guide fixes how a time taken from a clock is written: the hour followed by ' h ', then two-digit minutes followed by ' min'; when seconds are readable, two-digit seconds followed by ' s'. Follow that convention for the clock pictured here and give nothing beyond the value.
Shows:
12 h 01 min 31 s
